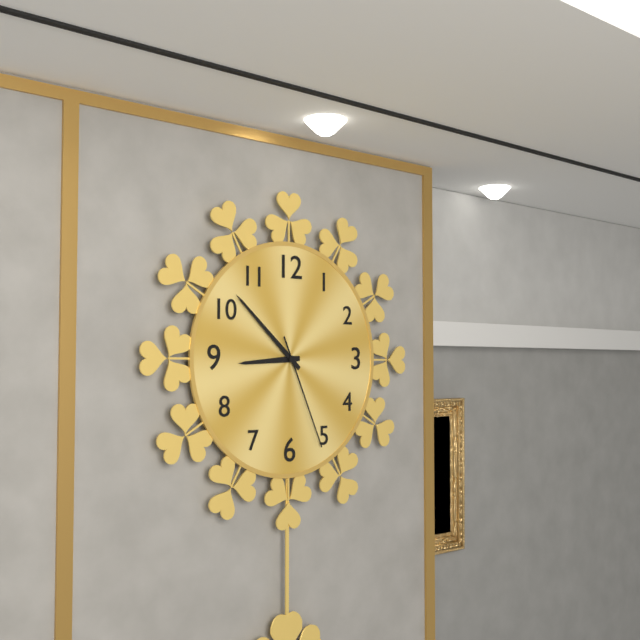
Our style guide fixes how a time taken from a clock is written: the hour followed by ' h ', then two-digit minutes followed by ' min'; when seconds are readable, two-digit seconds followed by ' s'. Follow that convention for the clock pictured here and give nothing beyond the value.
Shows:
8 h 52 min 26 s
